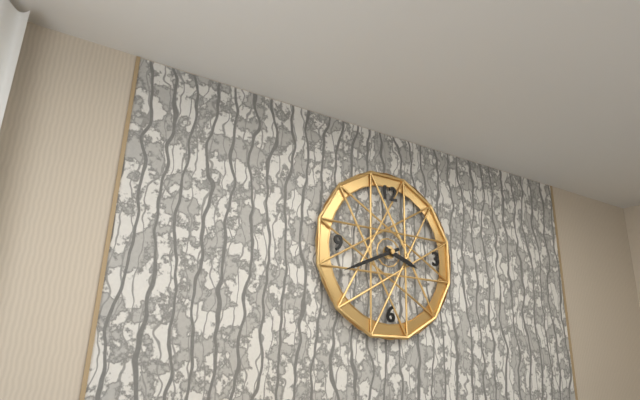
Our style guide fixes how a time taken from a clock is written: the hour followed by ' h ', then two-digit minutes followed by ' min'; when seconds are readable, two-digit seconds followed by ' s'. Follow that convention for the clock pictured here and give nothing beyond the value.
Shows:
3 h 41 min
